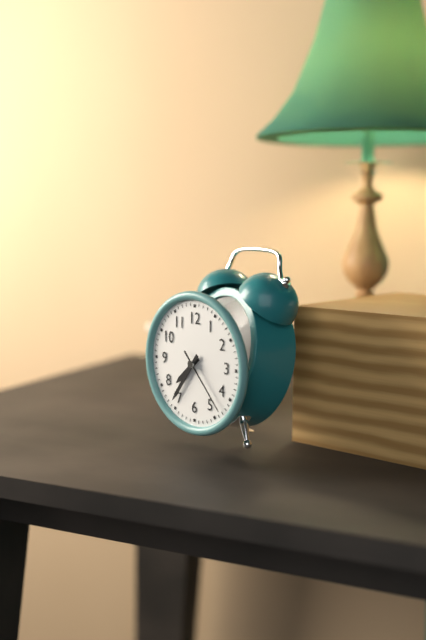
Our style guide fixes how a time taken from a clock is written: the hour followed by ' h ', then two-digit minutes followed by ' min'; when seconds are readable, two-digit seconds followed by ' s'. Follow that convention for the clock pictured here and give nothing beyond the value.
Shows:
7 h 36 min 23 s
